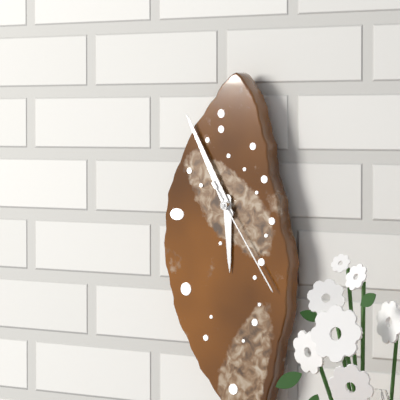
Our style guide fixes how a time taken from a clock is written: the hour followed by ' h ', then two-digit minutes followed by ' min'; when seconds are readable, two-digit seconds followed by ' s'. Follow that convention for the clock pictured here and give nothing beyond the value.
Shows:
5 h 55 min 24 s
